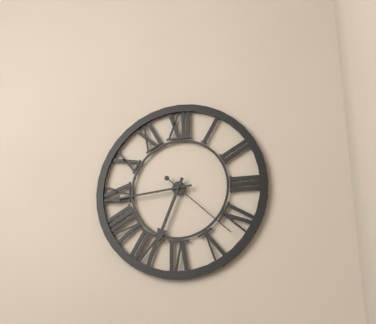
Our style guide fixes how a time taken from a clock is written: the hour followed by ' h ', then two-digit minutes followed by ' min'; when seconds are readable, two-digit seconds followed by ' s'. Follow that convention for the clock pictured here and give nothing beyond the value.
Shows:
6 h 44 min 22 s
